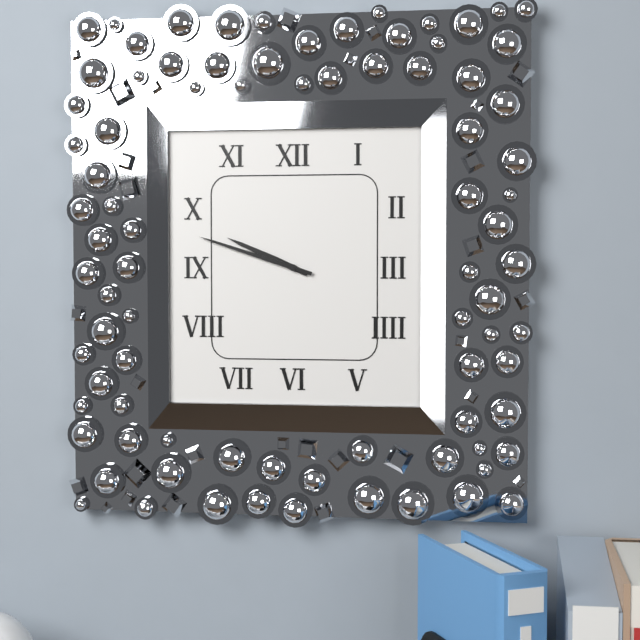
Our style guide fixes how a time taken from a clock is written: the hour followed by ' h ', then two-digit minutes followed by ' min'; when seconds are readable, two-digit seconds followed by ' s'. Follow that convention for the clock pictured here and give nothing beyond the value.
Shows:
9 h 48 min
